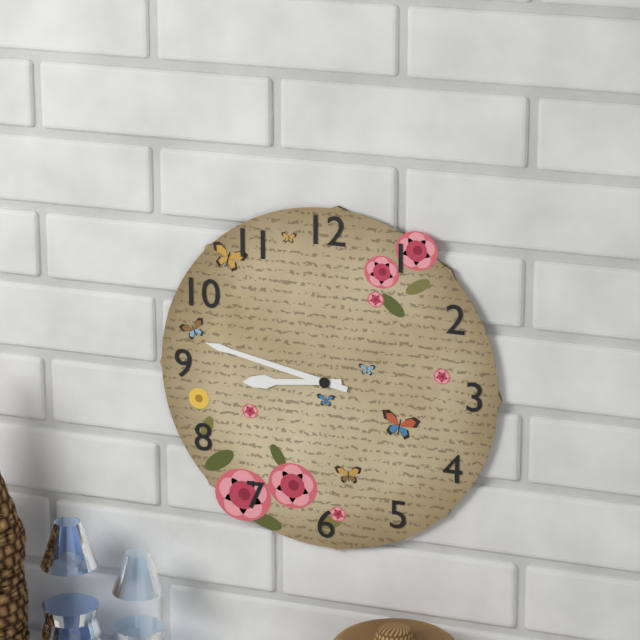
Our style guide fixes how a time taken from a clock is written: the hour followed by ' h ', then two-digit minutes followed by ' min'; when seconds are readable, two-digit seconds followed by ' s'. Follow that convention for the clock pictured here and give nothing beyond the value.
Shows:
8 h 47 min
